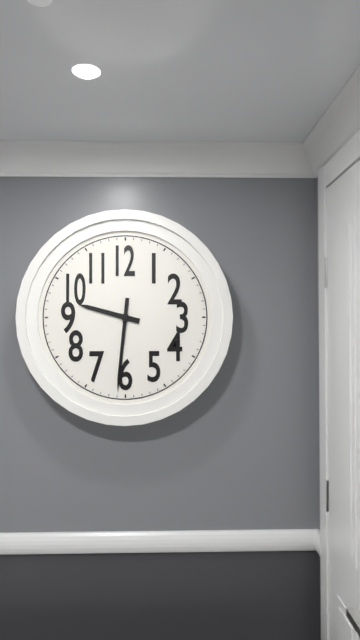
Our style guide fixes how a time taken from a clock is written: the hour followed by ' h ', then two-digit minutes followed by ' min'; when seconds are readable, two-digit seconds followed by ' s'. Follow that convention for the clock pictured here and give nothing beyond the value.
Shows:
9 h 31 min
